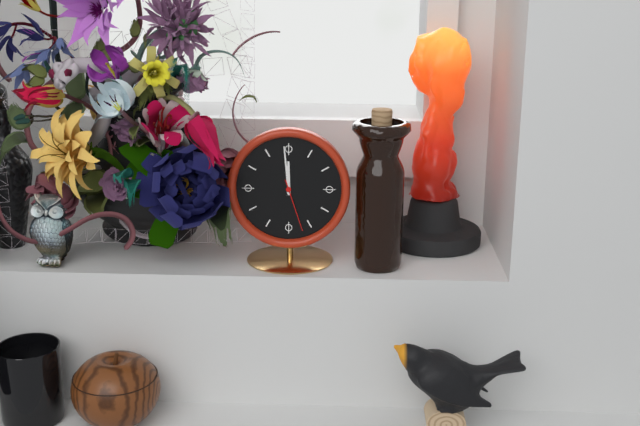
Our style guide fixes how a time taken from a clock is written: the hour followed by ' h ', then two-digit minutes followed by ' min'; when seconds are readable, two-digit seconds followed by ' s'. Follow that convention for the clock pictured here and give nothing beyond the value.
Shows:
11 h 59 min 27 s
